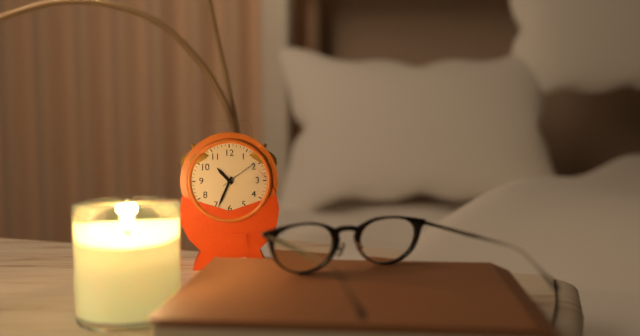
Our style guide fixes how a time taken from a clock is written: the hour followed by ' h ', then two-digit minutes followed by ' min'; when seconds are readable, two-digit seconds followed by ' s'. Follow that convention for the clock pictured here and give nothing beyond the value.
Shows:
10 h 34 min
